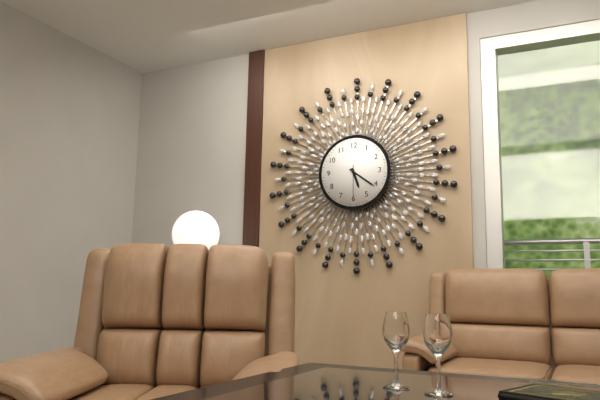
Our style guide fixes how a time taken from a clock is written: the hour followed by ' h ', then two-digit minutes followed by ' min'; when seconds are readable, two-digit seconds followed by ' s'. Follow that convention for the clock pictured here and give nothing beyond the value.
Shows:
5 h 21 min
